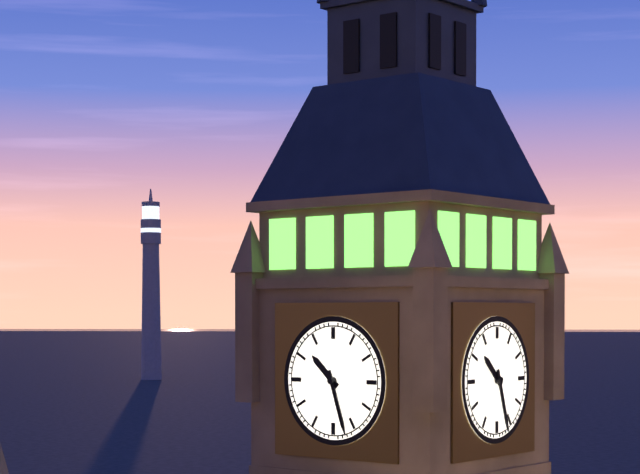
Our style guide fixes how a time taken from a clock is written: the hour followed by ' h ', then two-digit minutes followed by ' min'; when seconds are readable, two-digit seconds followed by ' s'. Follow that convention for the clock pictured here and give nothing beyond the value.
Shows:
10 h 27 min
